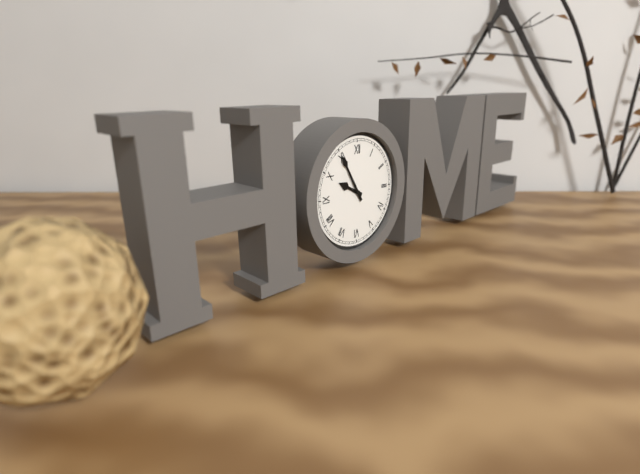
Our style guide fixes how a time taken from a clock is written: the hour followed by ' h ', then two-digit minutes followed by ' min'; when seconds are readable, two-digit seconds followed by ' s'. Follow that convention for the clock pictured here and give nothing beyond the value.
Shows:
9 h 55 min
